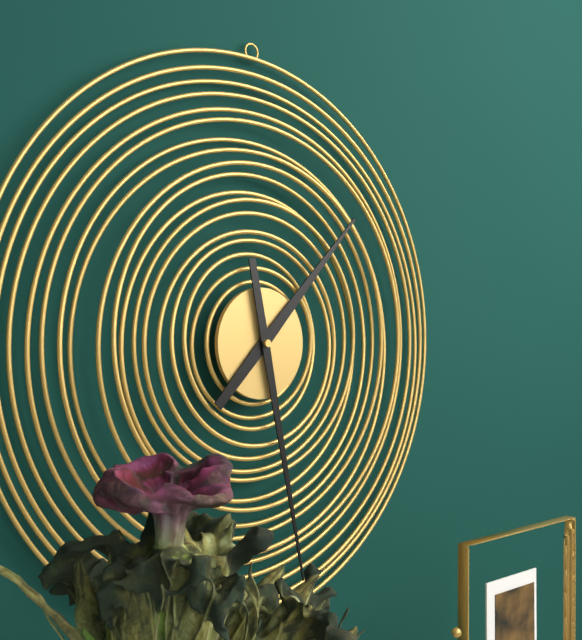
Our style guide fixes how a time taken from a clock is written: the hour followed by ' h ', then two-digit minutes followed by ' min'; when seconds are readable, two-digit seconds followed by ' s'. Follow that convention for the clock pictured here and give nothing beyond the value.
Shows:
1 h 28 min
